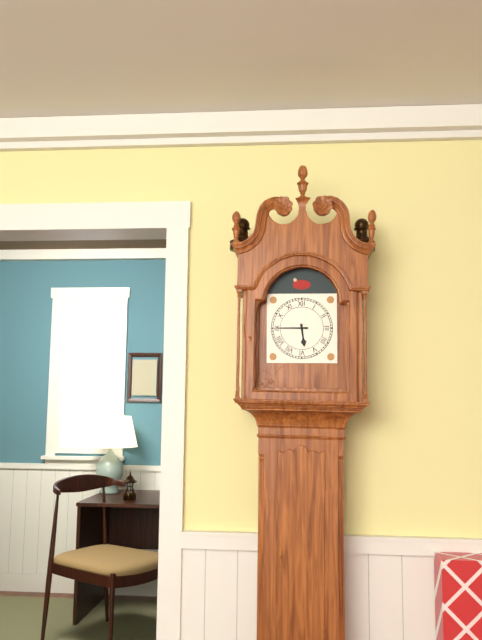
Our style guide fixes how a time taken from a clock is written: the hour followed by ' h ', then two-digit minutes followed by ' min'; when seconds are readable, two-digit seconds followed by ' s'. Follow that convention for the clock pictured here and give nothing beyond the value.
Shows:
5 h 45 min
